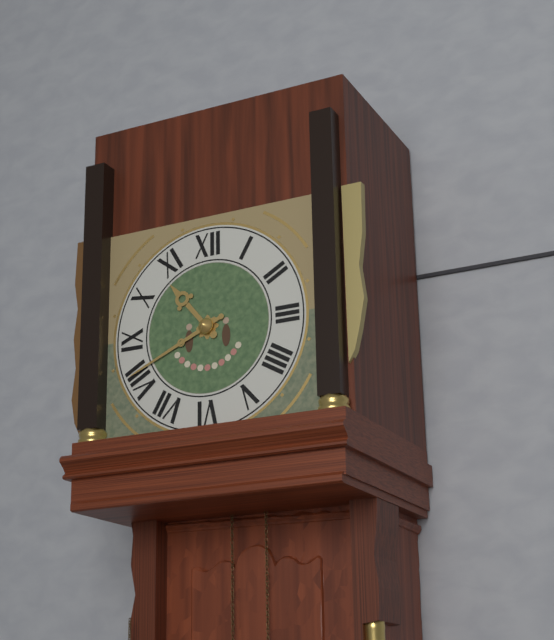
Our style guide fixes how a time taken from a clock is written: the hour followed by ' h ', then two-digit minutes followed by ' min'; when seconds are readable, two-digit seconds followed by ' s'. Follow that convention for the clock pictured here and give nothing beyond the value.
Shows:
10 h 41 min
